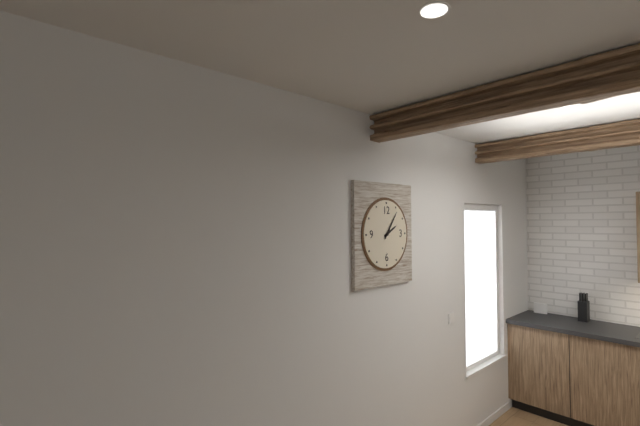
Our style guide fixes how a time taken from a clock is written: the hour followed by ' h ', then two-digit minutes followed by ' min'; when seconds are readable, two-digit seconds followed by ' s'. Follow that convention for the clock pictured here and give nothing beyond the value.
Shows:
2 h 06 min
